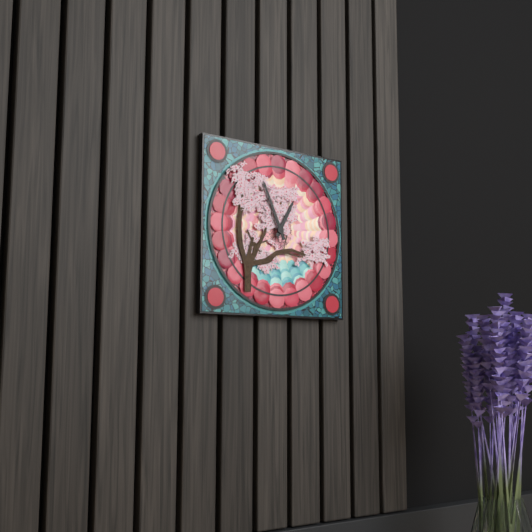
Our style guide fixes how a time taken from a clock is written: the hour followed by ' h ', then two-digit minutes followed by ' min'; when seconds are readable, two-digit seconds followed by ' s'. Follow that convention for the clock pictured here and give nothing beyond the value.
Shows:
12 h 56 min
